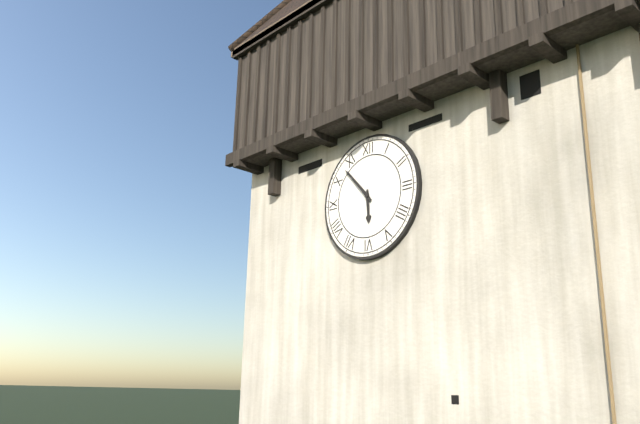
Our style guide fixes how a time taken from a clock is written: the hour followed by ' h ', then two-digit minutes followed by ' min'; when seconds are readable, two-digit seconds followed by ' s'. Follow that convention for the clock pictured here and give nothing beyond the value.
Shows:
5 h 53 min
